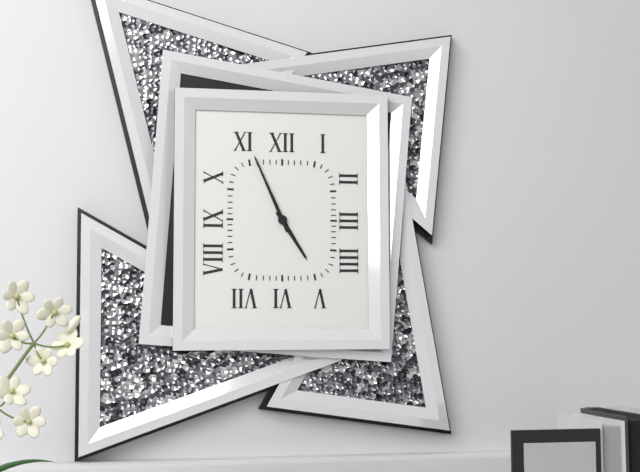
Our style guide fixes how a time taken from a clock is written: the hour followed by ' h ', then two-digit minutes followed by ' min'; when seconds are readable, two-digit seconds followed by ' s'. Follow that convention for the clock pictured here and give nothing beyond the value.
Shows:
4 h 56 min
